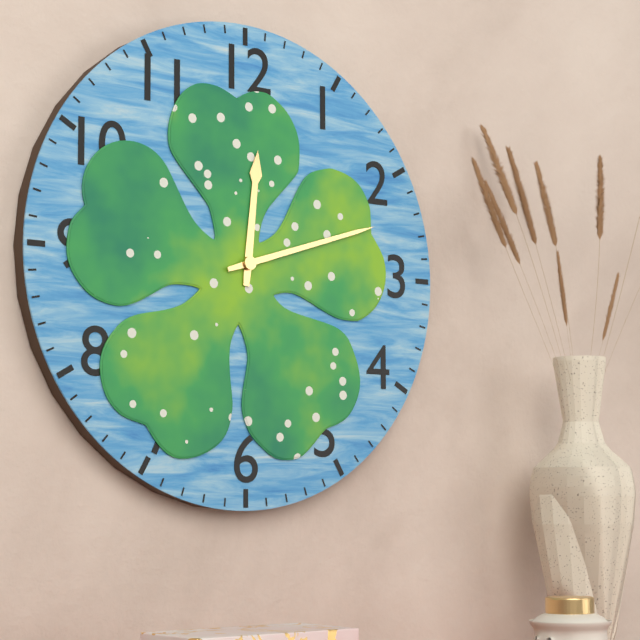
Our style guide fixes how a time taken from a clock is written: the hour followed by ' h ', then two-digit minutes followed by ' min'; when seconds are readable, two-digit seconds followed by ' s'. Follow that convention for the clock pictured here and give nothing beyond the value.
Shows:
12 h 12 min
